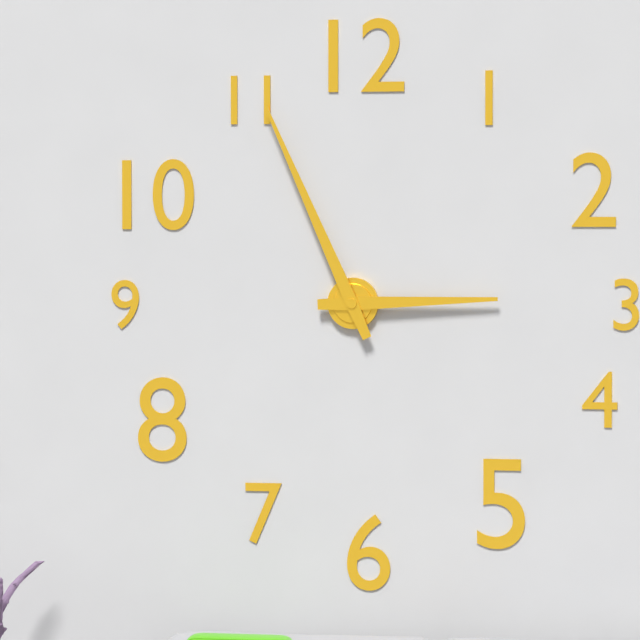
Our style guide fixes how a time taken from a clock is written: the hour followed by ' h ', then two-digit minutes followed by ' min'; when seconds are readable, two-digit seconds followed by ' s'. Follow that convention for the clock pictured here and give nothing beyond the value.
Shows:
2 h 56 min
